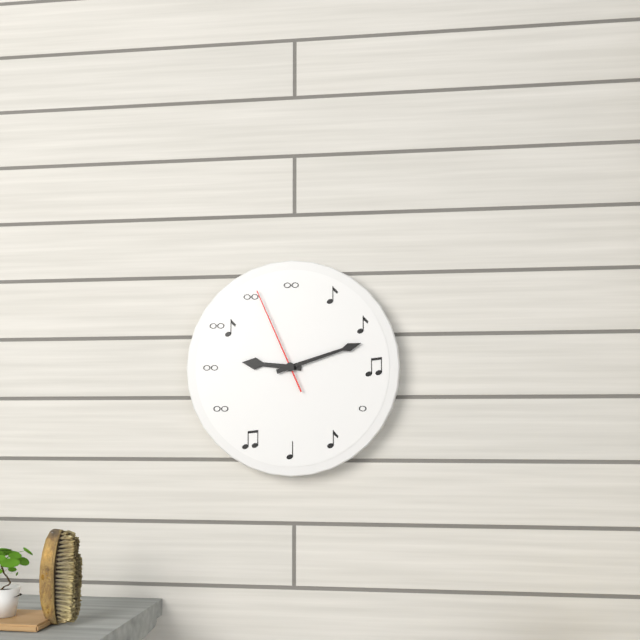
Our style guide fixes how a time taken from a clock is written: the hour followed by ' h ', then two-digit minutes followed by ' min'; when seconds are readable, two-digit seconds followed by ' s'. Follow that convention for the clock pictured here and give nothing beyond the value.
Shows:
9 h 12 min 56 s
